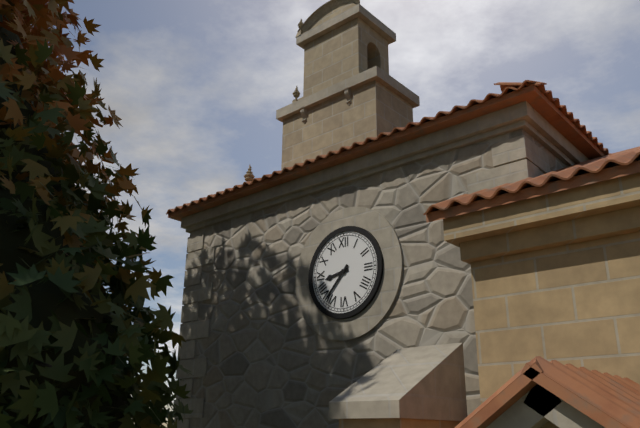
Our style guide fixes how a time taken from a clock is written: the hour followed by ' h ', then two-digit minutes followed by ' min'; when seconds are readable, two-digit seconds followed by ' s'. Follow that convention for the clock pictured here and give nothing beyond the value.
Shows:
8 h 37 min
